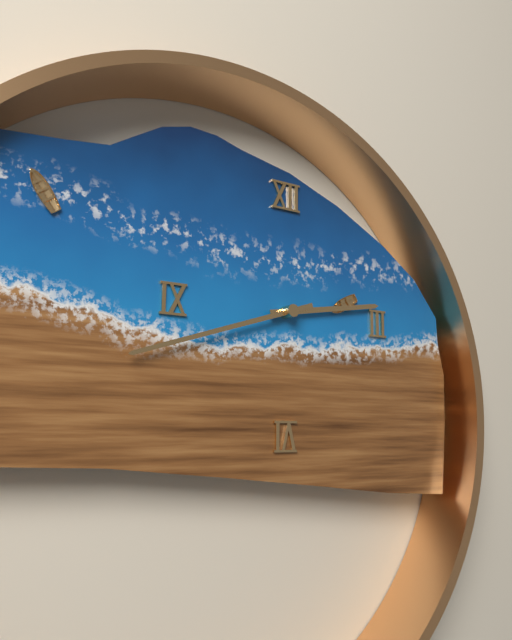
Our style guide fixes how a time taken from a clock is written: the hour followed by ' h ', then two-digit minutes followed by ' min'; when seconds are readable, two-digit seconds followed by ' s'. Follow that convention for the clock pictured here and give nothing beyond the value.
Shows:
2 h 42 min
